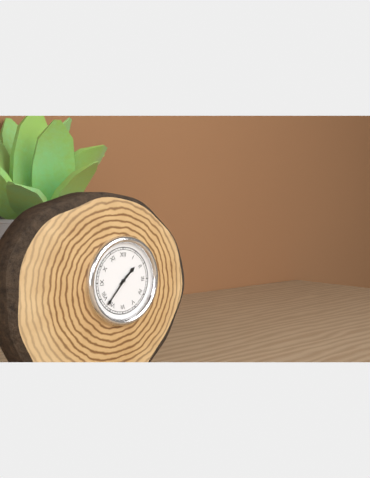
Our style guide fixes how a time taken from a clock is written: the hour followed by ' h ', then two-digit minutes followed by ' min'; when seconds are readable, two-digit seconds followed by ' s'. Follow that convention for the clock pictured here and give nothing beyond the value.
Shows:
1 h 37 min
